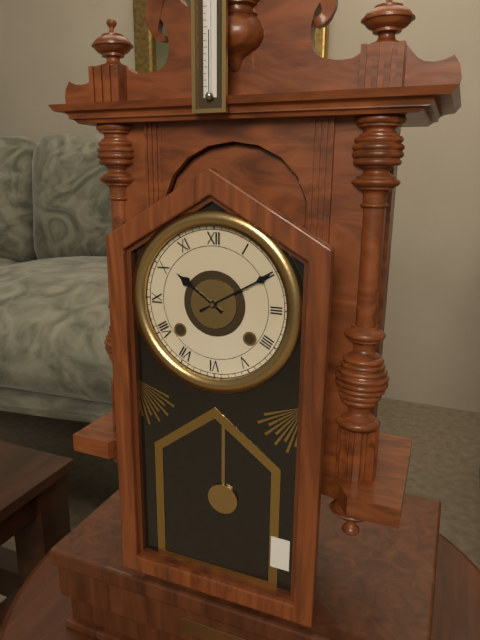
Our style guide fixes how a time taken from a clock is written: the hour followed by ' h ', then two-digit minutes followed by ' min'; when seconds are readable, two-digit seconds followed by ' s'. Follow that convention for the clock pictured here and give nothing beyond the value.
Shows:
10 h 10 min
